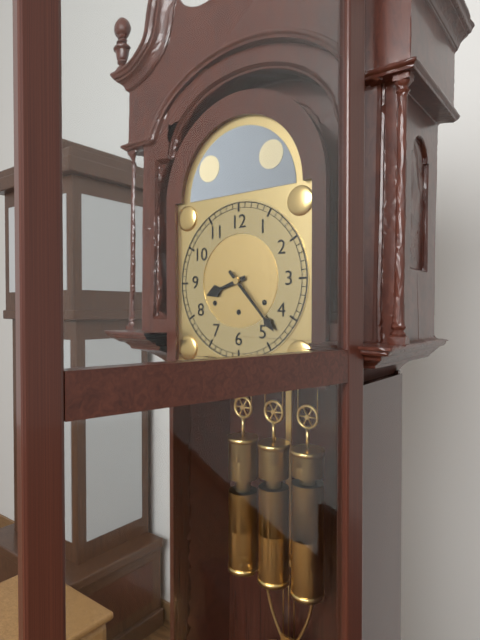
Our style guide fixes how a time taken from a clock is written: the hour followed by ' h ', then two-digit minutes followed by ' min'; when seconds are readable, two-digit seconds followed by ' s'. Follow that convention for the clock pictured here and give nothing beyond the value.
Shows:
8 h 23 min
